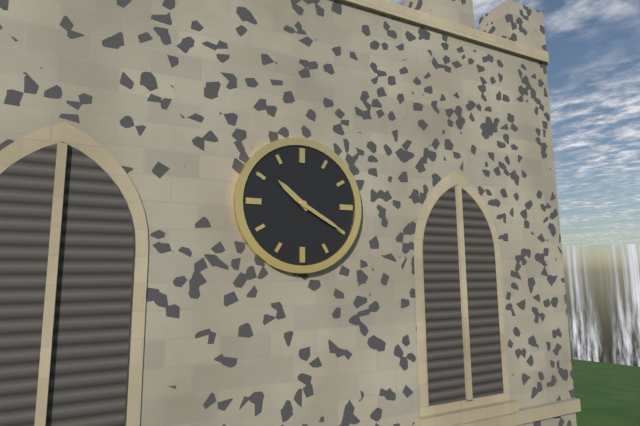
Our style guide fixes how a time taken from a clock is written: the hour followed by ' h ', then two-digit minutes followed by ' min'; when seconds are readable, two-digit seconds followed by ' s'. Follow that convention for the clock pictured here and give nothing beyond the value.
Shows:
10 h 20 min
